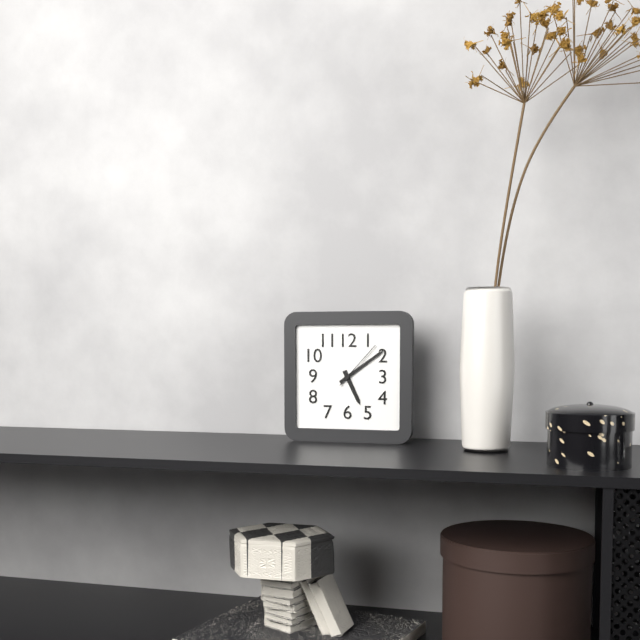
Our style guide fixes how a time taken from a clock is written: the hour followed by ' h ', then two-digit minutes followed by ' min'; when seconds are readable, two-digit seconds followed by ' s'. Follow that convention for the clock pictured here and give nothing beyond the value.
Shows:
5 h 09 min 07 s
